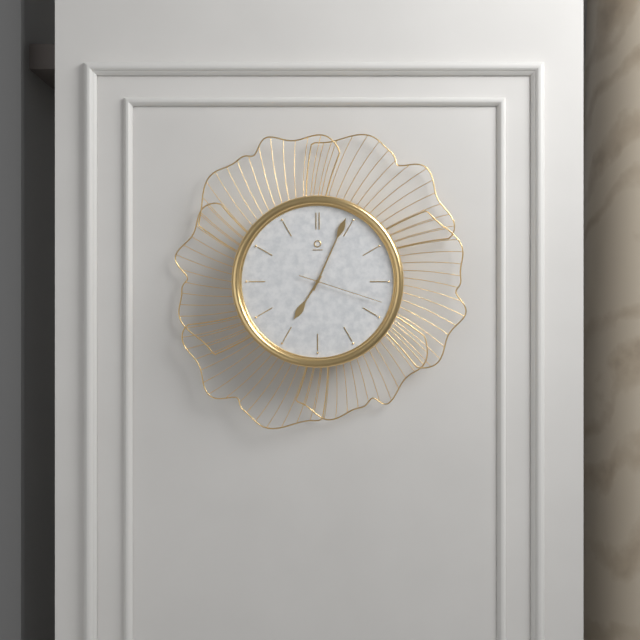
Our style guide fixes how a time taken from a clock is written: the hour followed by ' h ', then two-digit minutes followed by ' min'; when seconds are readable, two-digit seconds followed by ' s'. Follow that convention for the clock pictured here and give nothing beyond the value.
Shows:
7 h 04 min 18 s
